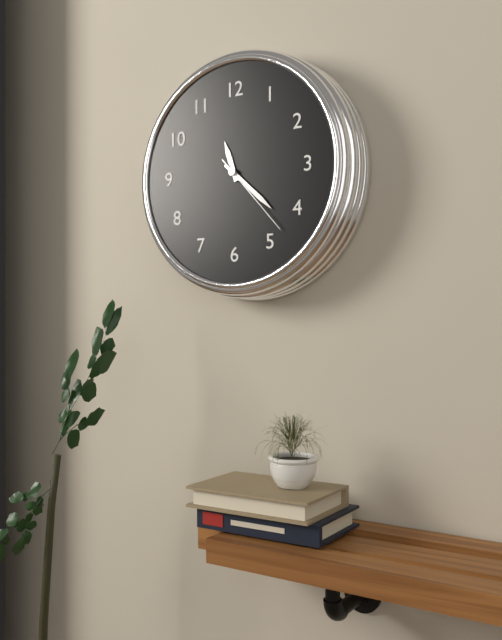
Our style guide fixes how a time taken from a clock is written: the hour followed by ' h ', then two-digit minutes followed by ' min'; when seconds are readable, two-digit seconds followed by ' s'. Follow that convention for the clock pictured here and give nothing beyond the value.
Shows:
11 h 22 min 23 s
